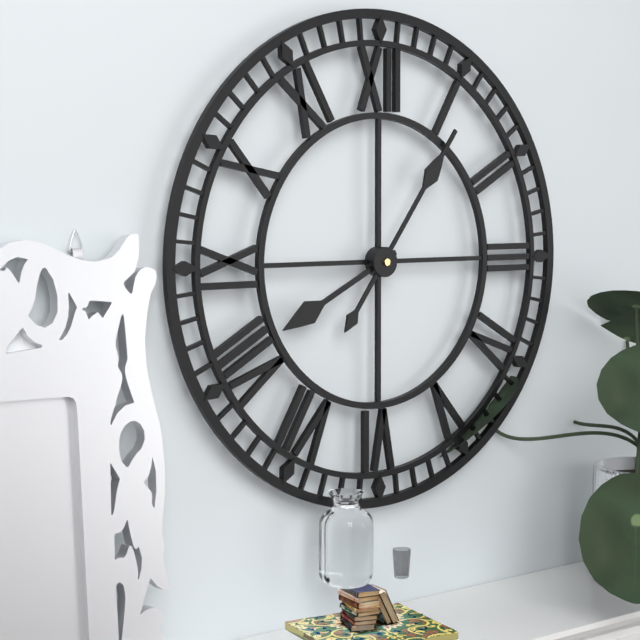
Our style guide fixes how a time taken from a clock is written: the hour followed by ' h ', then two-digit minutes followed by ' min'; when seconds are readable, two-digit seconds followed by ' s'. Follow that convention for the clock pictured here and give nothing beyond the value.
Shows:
8 h 06 min
